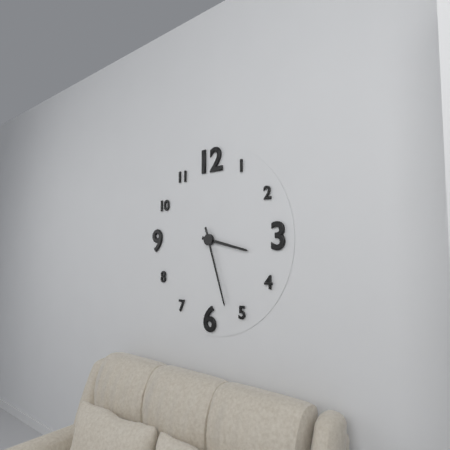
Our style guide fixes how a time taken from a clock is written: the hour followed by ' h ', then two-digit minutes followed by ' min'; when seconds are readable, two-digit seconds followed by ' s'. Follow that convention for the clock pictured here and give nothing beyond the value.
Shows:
3 h 27 min
